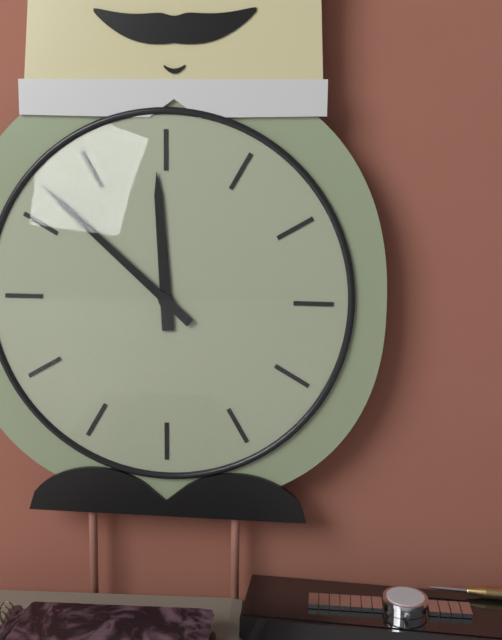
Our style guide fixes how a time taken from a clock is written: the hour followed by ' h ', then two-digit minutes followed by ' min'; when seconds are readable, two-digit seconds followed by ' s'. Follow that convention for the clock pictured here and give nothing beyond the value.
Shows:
11 h 52 min
